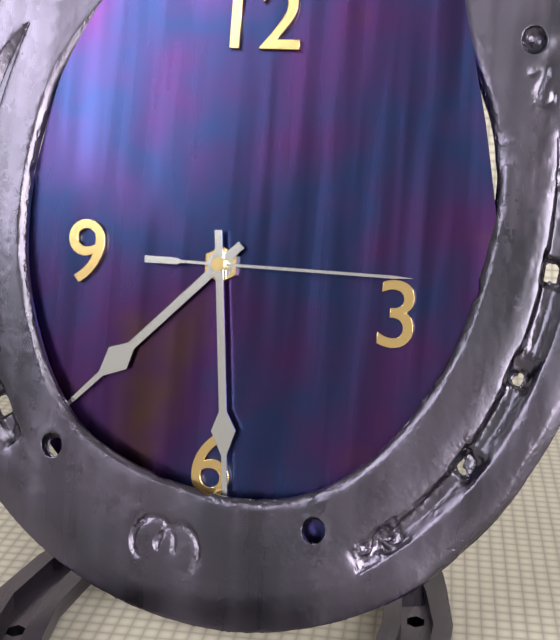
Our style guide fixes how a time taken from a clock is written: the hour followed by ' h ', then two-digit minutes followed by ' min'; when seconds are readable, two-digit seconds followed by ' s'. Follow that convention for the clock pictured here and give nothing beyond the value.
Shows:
7 h 29 min 15 s
